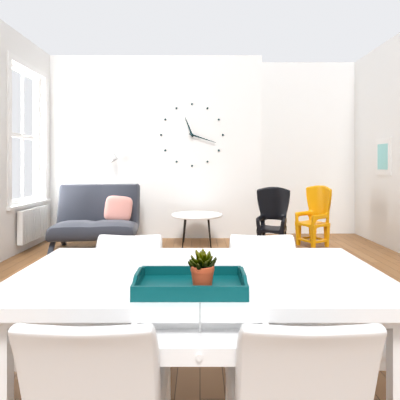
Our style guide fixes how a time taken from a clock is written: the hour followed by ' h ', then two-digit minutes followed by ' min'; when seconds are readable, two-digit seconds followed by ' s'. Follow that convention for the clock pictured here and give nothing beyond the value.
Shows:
11 h 18 min
